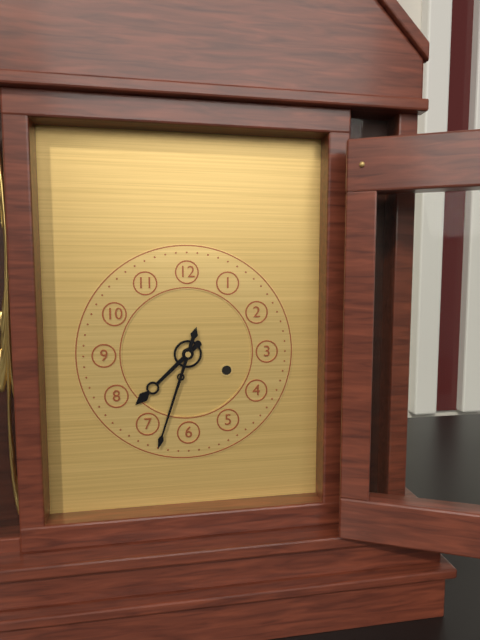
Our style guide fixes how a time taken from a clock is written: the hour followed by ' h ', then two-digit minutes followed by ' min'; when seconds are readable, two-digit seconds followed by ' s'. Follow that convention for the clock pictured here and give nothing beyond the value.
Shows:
7 h 33 min
